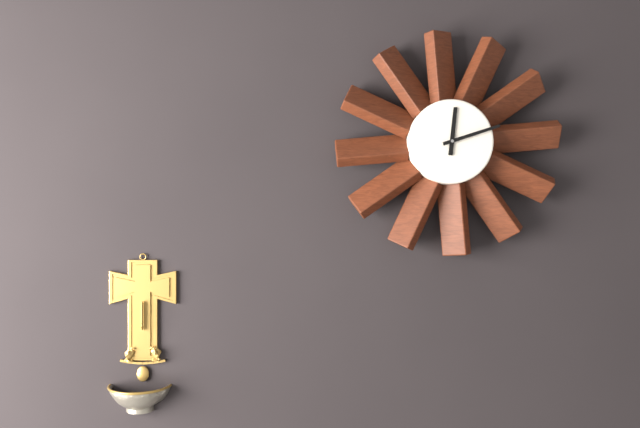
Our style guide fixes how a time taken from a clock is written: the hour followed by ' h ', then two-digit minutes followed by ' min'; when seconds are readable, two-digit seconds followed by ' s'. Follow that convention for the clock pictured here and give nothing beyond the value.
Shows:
12 h 12 min
